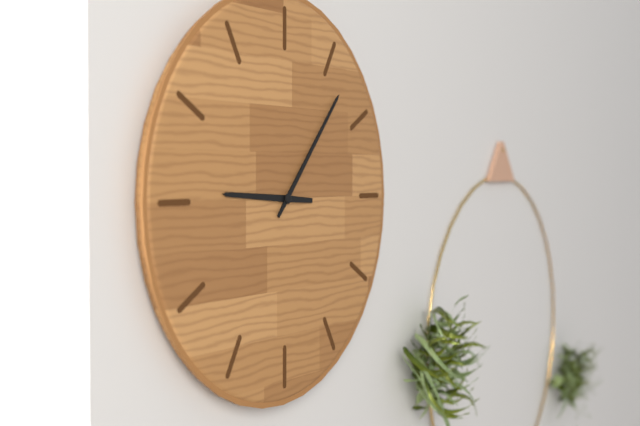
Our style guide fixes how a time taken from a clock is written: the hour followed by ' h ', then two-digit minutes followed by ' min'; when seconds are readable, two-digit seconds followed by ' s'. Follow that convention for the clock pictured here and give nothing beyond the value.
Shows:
9 h 07 min
